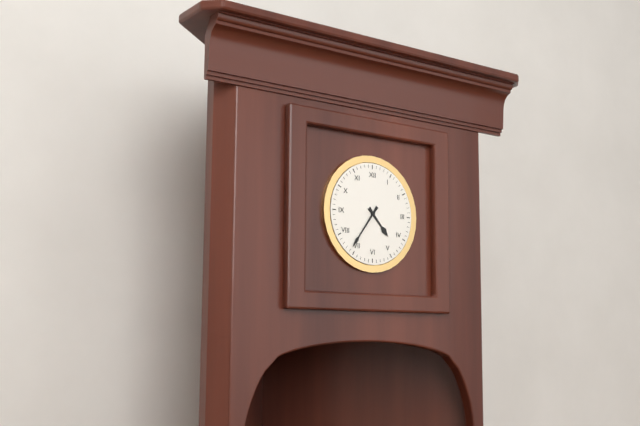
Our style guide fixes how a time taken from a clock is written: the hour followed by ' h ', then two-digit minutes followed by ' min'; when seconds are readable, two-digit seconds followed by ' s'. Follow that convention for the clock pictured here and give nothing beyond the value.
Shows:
4 h 36 min
